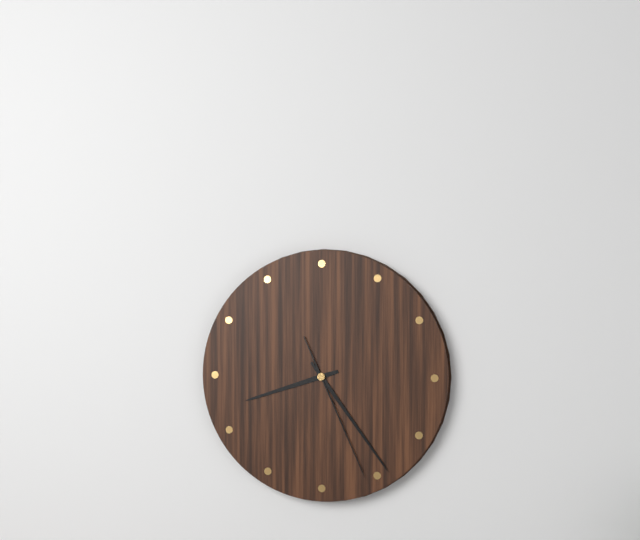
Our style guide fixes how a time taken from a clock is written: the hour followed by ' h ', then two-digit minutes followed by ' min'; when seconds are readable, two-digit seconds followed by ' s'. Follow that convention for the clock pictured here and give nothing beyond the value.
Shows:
8 h 24 min 26 s
